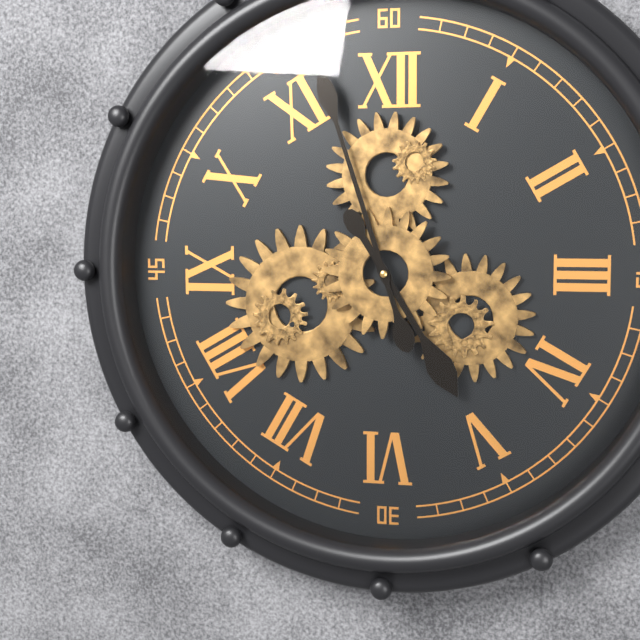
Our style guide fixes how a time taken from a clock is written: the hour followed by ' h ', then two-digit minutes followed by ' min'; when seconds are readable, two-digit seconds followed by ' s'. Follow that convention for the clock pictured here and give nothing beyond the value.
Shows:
4 h 57 min
